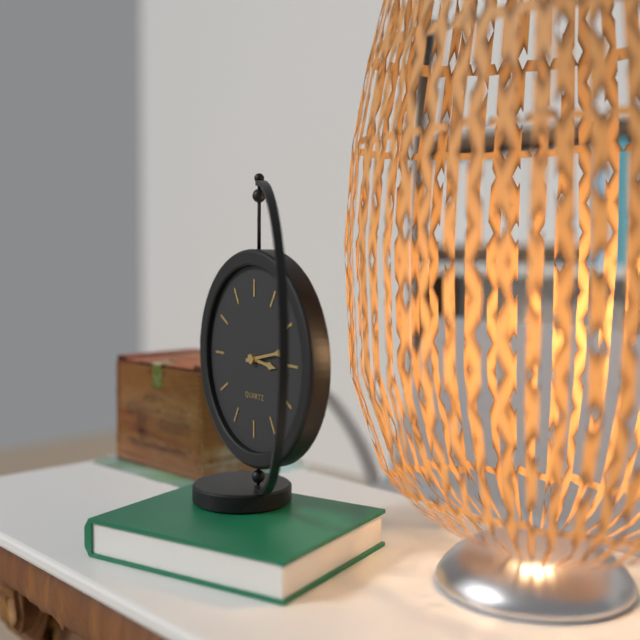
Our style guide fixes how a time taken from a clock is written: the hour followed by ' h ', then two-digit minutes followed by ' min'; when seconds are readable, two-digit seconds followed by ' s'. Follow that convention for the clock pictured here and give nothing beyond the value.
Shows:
3 h 13 min
